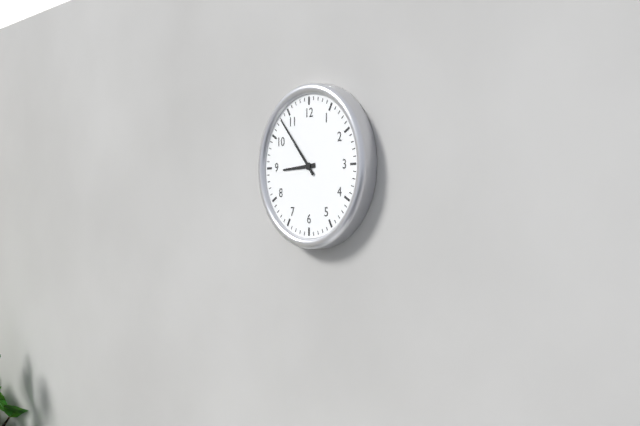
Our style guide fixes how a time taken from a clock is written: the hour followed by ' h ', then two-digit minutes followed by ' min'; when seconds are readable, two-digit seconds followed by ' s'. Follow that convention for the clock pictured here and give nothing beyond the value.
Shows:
8 h 53 min
